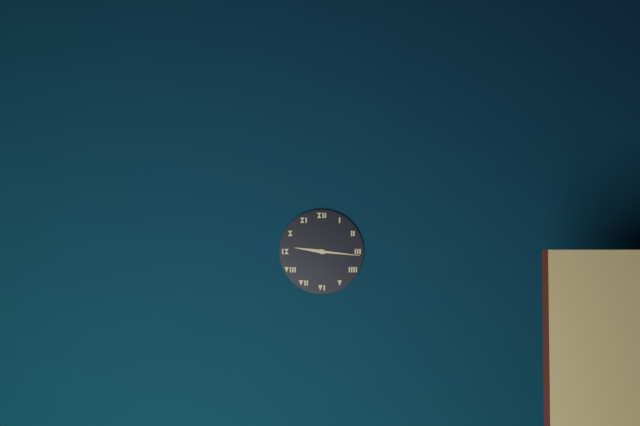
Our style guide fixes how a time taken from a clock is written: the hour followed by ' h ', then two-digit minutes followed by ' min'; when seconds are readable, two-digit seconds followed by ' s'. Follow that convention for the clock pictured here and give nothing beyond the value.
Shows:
9 h 16 min
